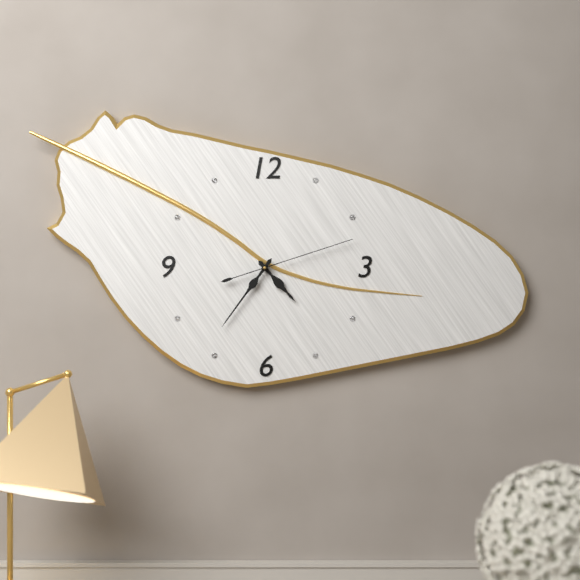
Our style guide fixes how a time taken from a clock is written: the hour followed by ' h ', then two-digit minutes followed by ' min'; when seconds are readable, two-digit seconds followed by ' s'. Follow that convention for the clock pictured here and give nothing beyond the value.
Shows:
4 h 36 min 12 s
